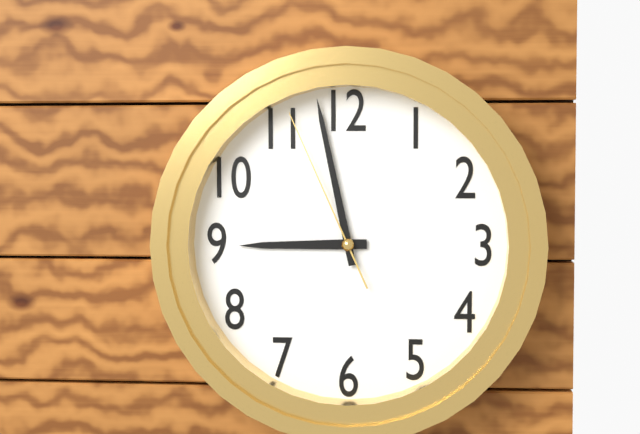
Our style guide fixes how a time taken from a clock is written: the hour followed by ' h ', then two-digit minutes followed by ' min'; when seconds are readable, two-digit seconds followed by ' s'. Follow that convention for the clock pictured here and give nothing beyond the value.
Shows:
8 h 58 min 56 s
